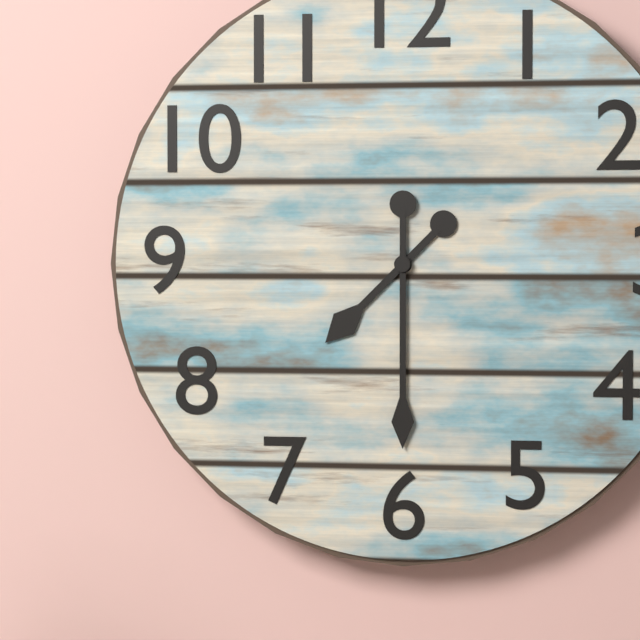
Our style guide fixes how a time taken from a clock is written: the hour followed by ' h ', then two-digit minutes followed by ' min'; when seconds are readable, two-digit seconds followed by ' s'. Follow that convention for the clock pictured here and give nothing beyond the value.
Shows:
7 h 30 min
